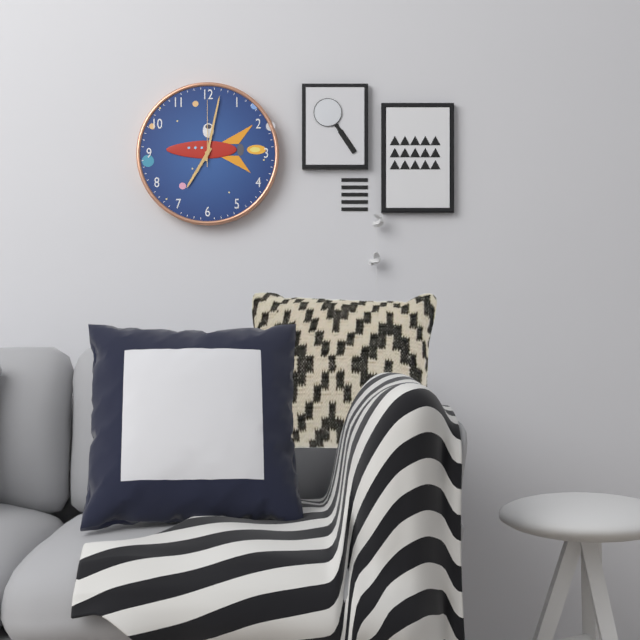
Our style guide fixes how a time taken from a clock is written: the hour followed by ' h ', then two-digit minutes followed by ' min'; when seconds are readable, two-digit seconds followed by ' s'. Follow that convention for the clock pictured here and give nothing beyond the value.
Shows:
7 h 02 min 00 s
